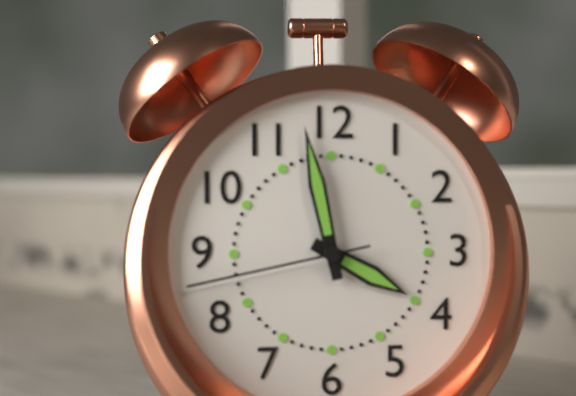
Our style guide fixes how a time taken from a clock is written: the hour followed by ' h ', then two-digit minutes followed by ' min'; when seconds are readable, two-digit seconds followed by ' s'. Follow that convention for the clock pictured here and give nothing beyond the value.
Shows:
3 h 58 min 43 s
